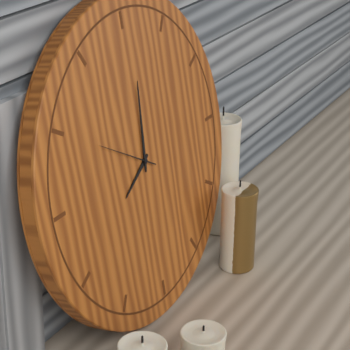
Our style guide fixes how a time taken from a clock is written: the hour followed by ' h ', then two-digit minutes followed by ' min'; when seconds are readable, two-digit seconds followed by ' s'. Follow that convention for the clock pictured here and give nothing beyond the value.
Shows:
8 h 01 min 50 s
